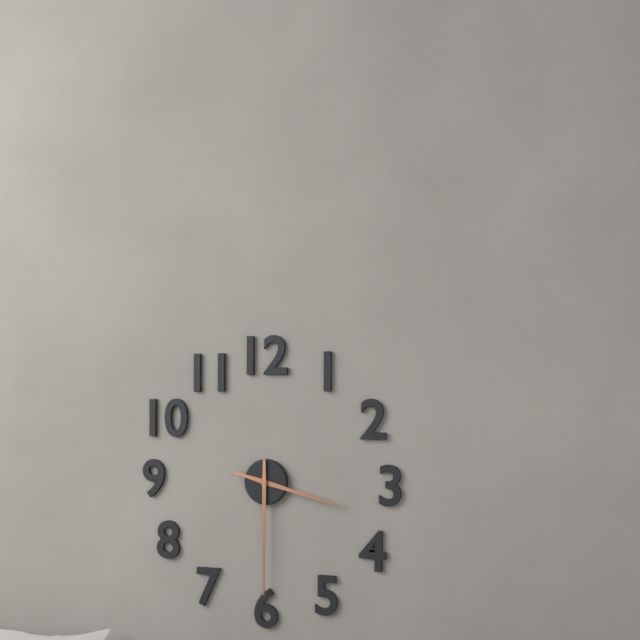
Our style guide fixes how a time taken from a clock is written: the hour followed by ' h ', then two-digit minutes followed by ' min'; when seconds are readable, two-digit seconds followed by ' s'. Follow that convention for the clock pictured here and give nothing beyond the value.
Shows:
3 h 30 min
